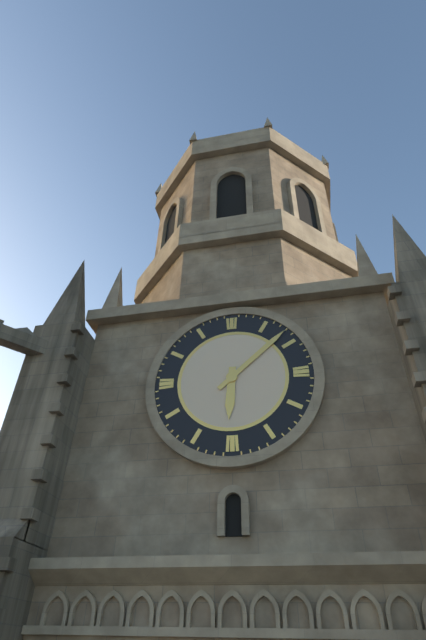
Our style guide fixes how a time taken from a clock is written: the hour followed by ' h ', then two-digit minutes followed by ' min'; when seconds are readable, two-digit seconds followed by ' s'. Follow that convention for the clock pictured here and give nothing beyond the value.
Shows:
6 h 08 min
